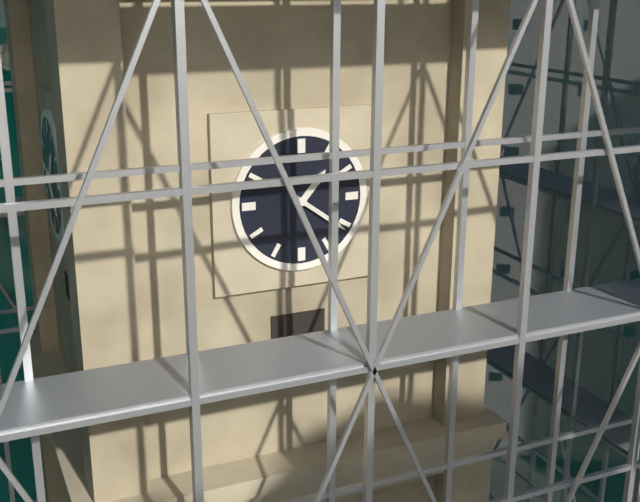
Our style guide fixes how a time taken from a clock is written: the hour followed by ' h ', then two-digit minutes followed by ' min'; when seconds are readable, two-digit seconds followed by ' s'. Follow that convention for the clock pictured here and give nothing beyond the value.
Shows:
1 h 21 min
